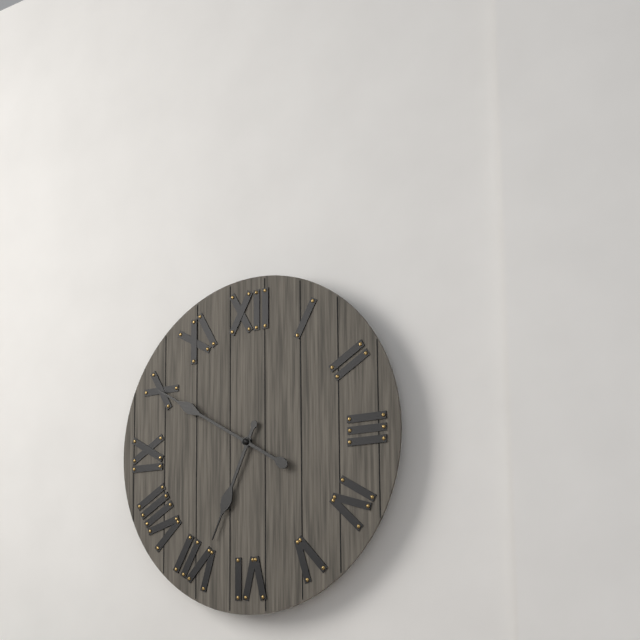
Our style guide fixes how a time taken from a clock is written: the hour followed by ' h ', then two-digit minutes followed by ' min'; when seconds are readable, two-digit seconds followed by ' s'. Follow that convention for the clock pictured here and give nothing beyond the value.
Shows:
6 h 50 min
